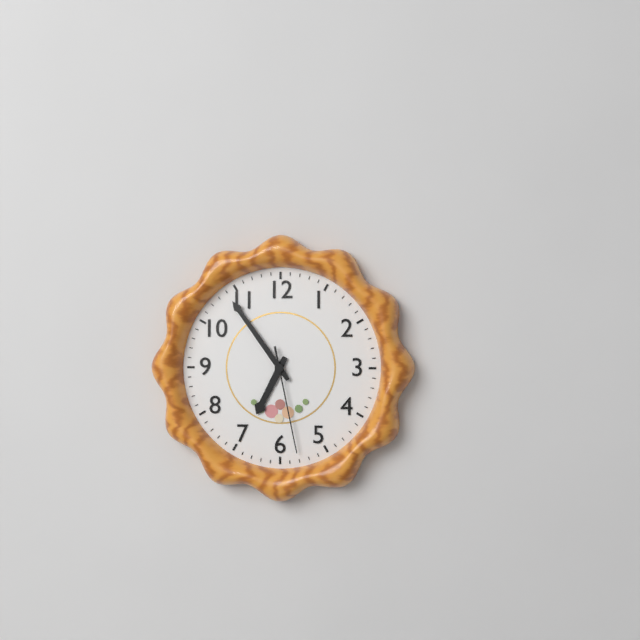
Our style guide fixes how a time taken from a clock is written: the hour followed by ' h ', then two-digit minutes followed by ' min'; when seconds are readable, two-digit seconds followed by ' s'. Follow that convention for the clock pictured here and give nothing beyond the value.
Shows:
6 h 54 min 28 s
